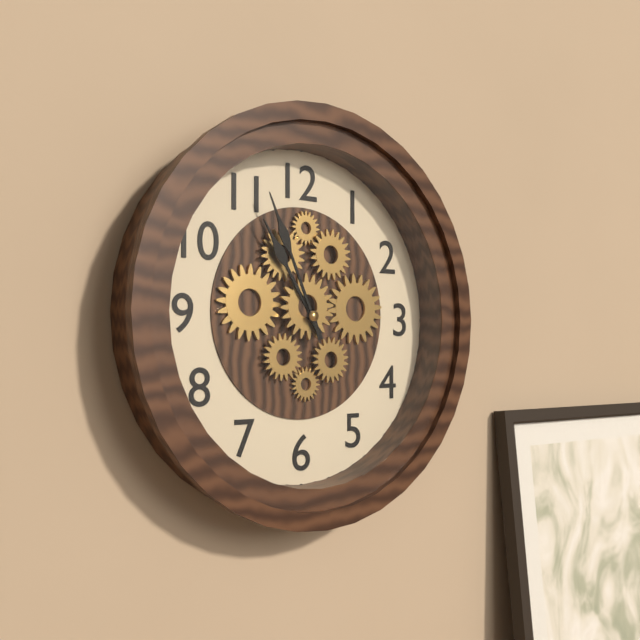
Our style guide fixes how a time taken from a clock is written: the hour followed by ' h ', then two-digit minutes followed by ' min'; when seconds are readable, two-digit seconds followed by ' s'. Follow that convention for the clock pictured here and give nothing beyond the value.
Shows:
10 h 56 min
